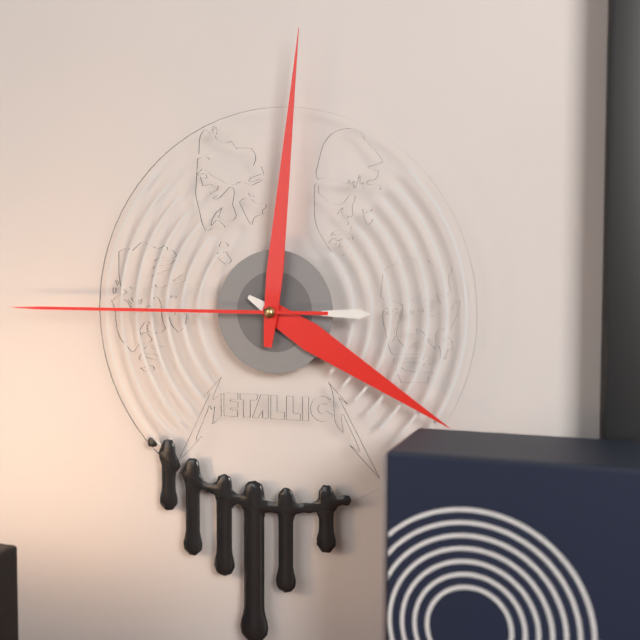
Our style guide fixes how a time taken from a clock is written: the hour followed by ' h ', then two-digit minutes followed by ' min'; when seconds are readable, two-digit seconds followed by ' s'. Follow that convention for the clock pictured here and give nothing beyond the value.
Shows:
4 h 01 min 45 s
